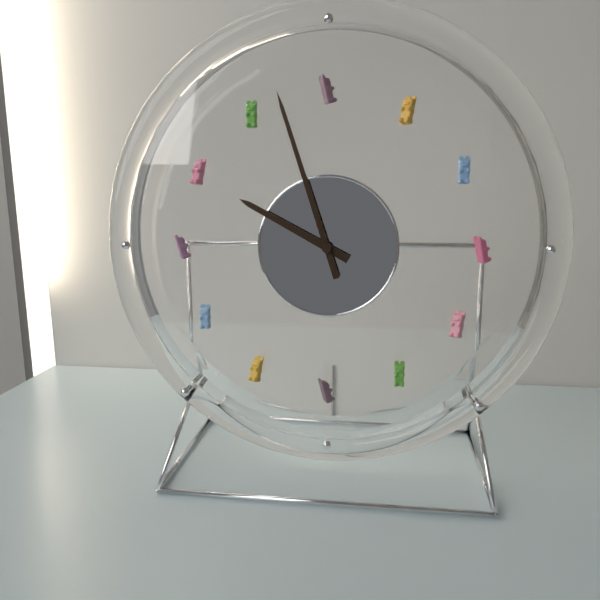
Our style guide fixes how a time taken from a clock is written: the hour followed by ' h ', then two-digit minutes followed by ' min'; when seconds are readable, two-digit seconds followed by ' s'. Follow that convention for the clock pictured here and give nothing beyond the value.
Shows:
9 h 57 min
